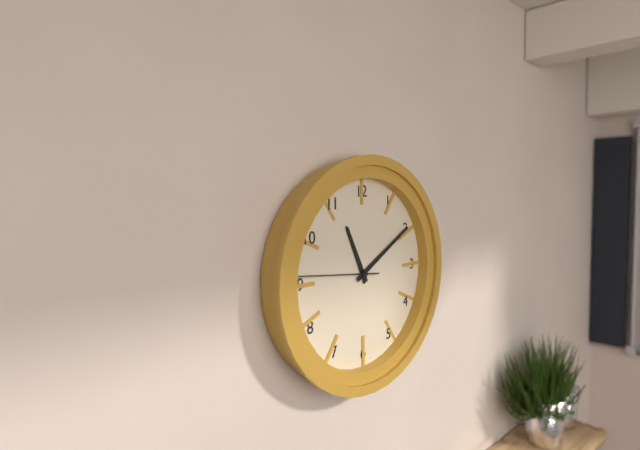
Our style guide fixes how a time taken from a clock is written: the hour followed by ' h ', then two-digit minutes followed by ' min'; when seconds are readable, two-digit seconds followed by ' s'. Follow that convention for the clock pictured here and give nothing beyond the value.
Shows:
11 h 10 min 46 s
